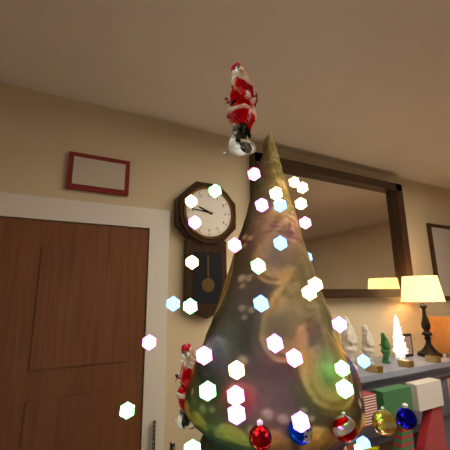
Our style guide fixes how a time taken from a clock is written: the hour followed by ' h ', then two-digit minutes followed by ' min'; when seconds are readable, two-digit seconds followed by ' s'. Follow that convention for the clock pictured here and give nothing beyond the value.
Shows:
9 h 46 min
